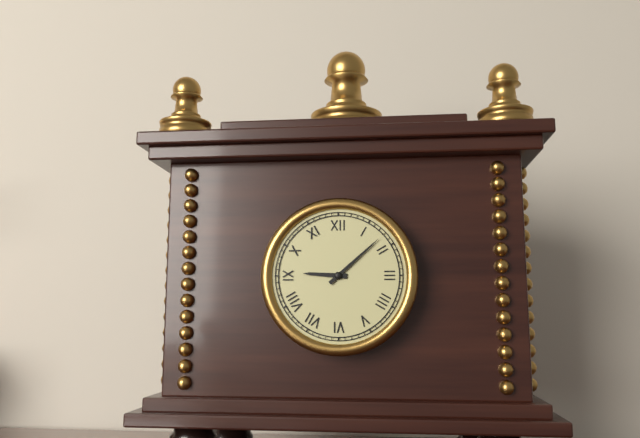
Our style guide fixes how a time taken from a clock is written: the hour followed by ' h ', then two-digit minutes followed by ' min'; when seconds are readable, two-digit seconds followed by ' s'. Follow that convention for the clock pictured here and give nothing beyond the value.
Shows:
9 h 08 min
